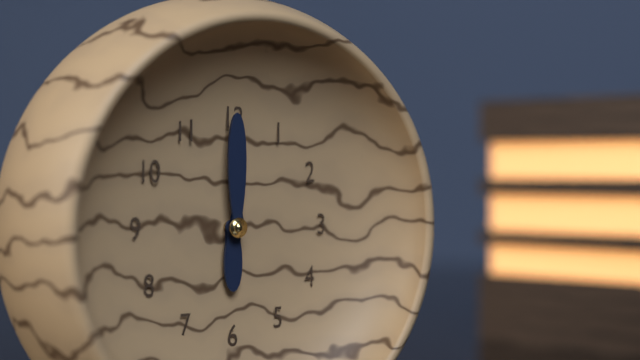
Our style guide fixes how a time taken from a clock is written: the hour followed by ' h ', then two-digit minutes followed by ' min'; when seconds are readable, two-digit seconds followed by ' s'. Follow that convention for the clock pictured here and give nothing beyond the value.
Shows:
6 h 00 min
